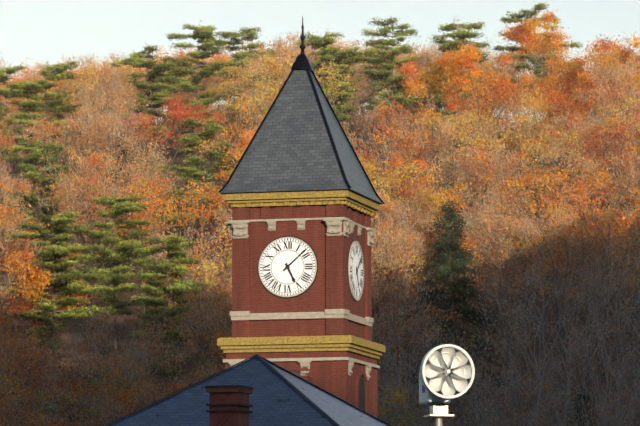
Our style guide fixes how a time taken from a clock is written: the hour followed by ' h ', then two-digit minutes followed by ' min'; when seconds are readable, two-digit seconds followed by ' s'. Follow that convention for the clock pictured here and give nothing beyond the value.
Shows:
5 h 08 min
